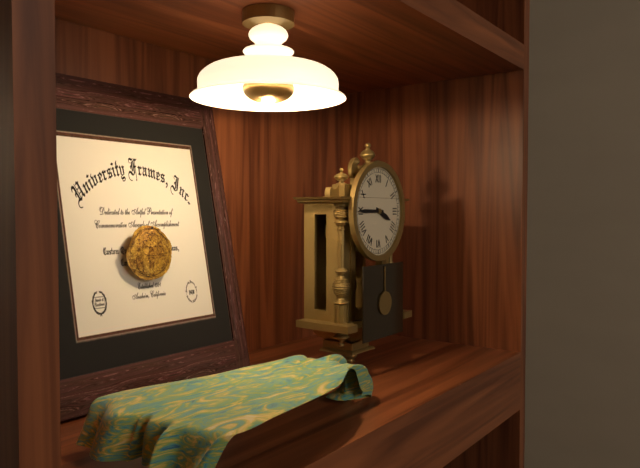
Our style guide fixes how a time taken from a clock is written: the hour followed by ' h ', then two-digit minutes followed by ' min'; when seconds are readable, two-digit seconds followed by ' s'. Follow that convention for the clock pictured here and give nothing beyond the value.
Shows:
3 h 45 min
